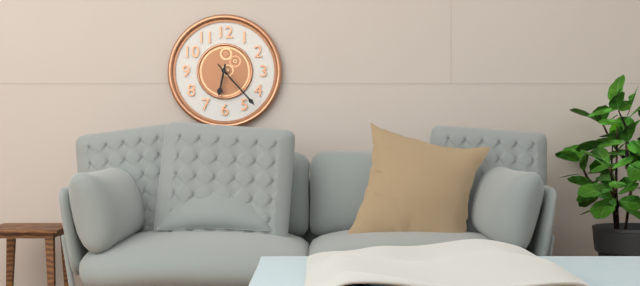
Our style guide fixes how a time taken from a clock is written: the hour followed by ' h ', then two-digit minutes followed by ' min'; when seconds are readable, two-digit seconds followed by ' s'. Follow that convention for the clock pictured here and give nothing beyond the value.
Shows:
6 h 23 min
